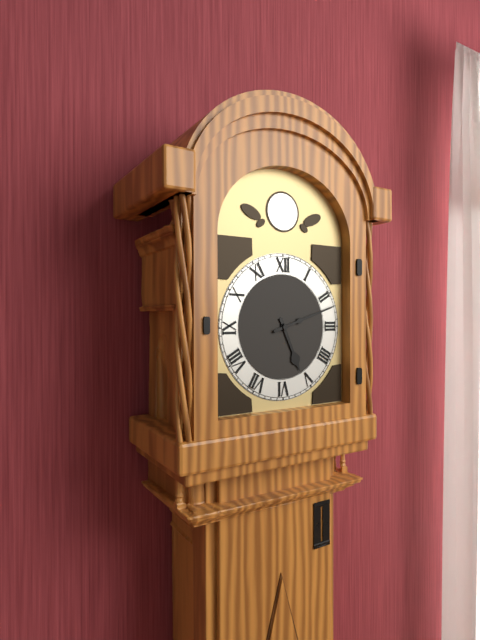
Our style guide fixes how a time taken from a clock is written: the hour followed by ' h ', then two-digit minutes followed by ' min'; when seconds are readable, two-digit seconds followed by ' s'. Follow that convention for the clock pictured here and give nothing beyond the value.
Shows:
5 h 12 min
